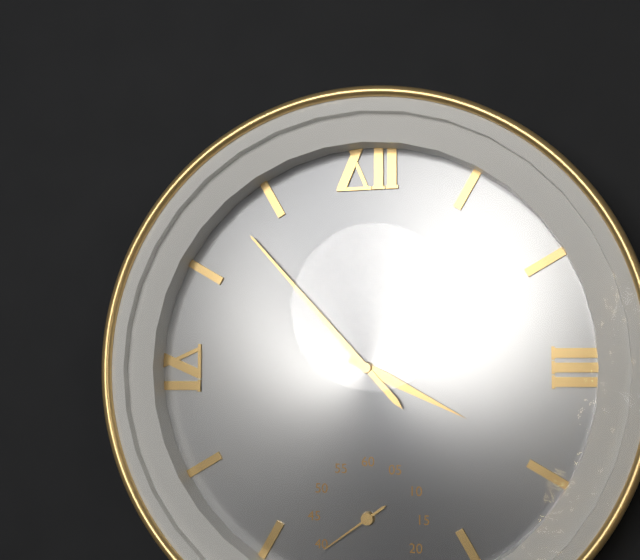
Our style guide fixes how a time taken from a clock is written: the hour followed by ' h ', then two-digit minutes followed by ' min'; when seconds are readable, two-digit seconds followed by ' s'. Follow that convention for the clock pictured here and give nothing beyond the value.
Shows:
3 h 53 min 39 s
